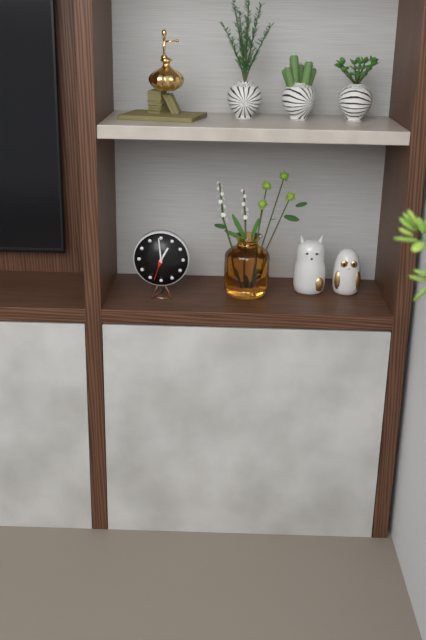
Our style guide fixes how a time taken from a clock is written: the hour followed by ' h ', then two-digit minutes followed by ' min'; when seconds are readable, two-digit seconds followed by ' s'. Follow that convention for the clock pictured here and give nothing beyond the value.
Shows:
12 h 59 min
